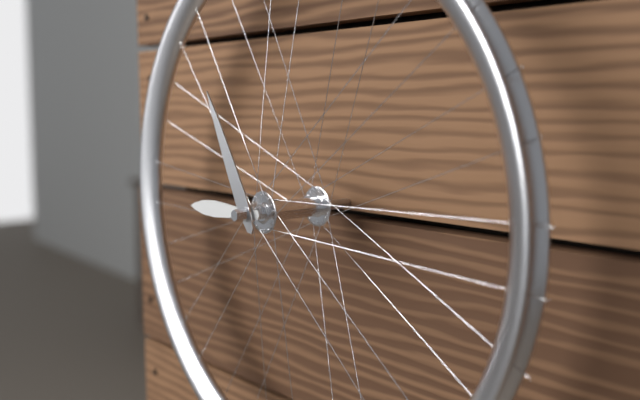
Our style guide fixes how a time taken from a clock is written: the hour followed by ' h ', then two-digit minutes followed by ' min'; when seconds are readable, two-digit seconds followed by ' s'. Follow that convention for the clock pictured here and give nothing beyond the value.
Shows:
8 h 55 min
